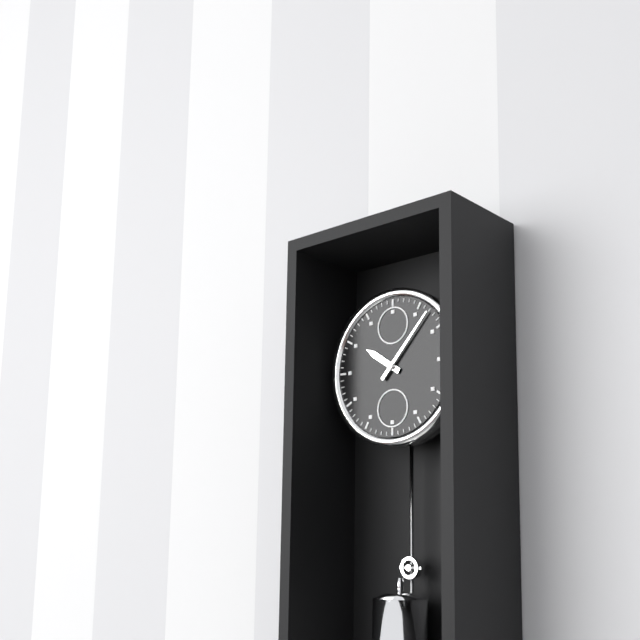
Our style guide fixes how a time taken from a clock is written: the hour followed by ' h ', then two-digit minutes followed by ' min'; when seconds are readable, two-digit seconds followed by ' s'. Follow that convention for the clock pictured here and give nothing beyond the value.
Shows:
10 h 07 min
